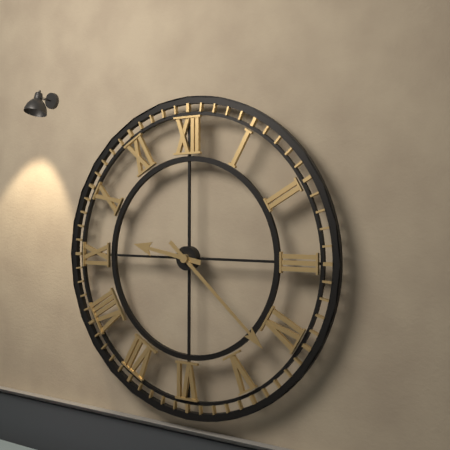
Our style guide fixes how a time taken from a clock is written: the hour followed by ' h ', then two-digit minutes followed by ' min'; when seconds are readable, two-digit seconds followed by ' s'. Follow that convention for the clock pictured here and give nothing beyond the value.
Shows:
9 h 22 min
